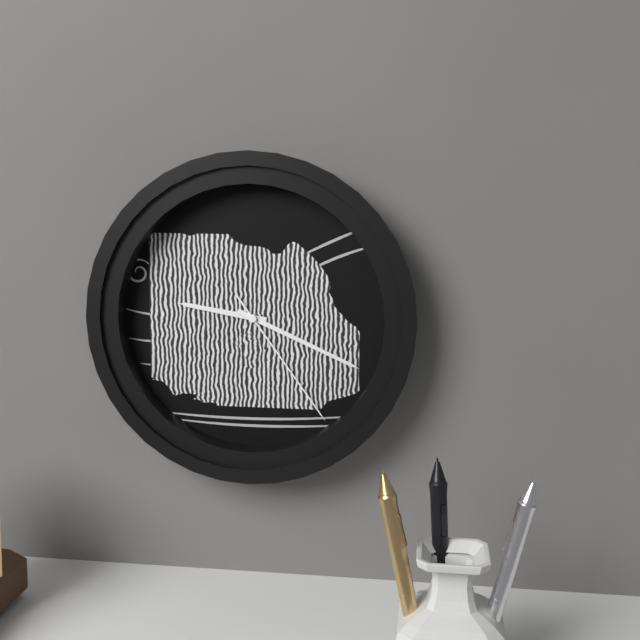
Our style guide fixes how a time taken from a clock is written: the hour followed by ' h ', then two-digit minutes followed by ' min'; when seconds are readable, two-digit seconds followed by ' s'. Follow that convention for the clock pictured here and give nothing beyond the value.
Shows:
9 h 19 min 24 s
